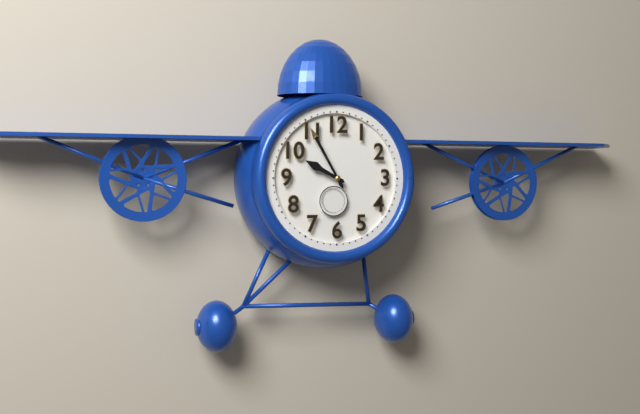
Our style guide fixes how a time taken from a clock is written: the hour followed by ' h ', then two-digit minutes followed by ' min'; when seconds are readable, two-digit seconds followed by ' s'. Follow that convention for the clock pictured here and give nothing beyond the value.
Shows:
9 h 55 min
